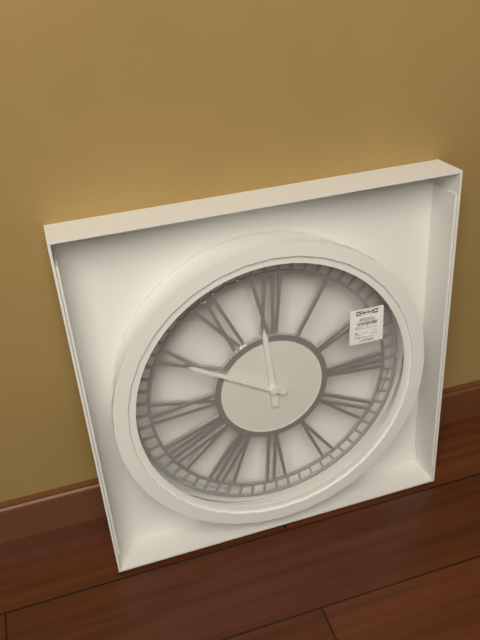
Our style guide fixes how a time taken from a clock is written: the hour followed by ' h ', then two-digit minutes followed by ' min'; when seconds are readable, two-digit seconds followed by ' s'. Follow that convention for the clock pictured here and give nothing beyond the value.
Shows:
11 h 50 min
